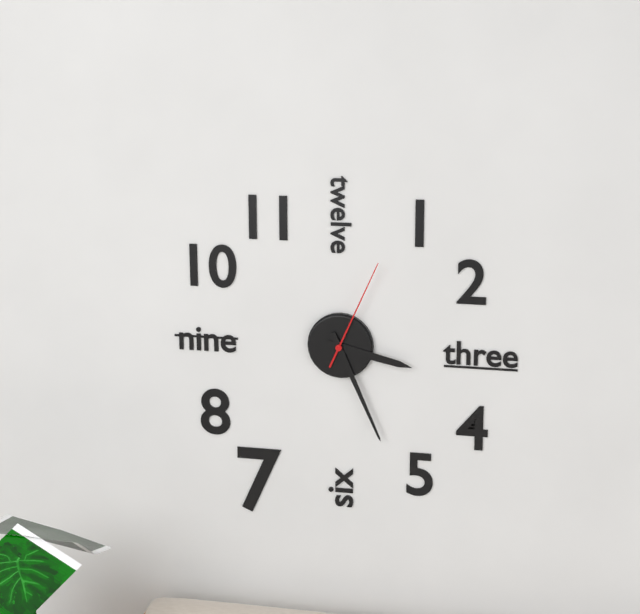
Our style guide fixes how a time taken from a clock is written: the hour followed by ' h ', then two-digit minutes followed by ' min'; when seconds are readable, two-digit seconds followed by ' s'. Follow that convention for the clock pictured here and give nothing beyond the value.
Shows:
3 h 26 min 04 s
